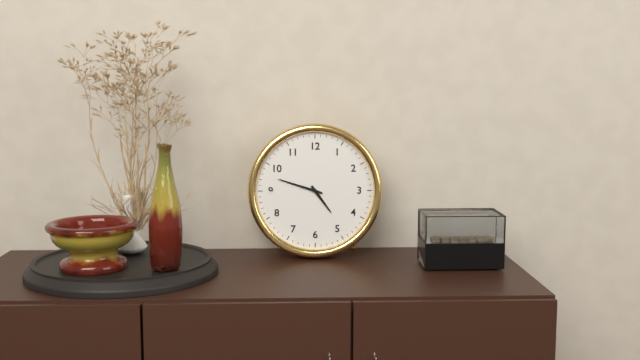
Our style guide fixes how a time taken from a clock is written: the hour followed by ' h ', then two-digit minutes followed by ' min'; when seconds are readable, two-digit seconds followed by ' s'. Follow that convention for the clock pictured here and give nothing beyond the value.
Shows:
4 h 48 min
